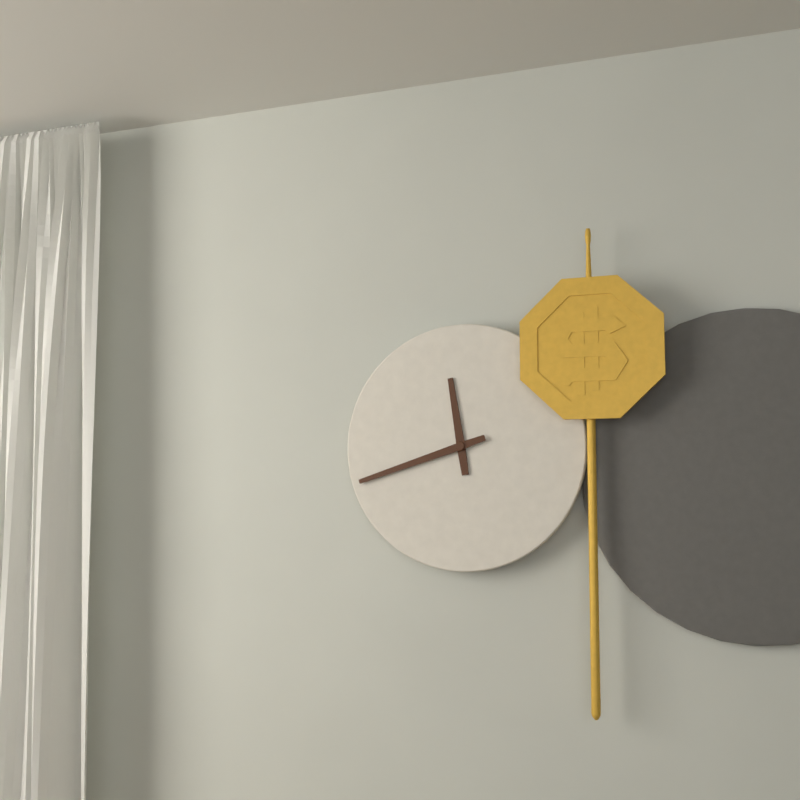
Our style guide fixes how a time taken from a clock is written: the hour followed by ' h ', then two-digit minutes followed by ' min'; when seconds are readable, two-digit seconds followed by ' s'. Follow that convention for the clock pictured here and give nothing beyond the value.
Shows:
11 h 42 min
